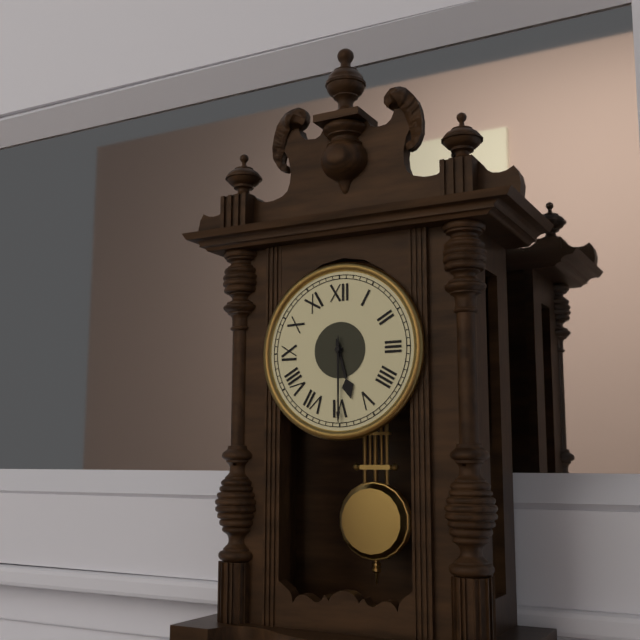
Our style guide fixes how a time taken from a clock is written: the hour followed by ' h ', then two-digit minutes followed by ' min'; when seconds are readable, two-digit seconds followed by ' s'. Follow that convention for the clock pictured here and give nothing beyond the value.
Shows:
5 h 30 min
